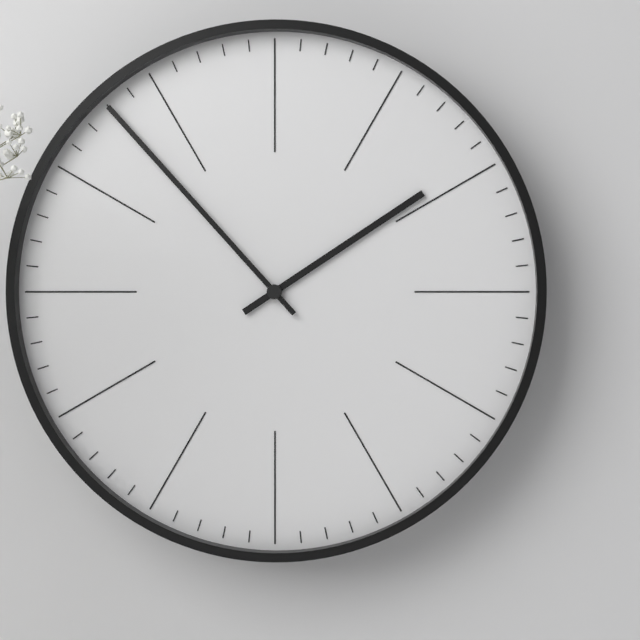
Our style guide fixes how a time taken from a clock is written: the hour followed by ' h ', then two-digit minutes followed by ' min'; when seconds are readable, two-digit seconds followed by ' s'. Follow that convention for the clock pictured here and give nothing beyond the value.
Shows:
1 h 53 min
